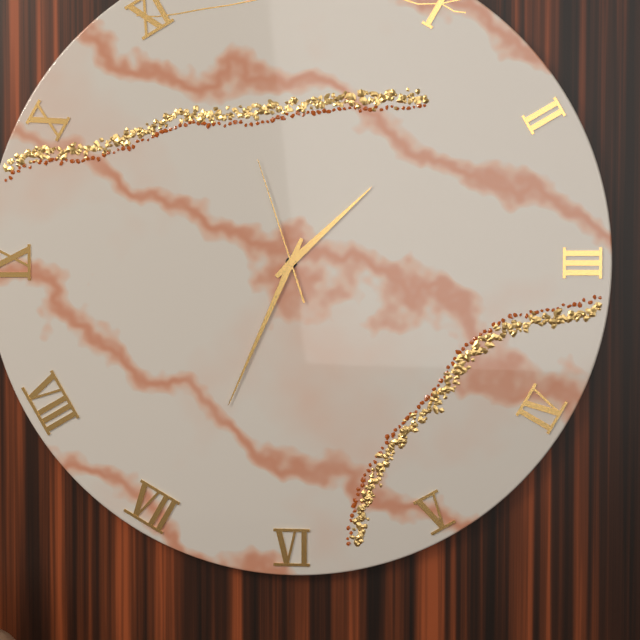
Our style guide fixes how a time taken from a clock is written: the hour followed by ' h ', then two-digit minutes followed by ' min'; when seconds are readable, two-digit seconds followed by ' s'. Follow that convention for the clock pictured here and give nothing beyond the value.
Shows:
1 h 34 min 57 s
